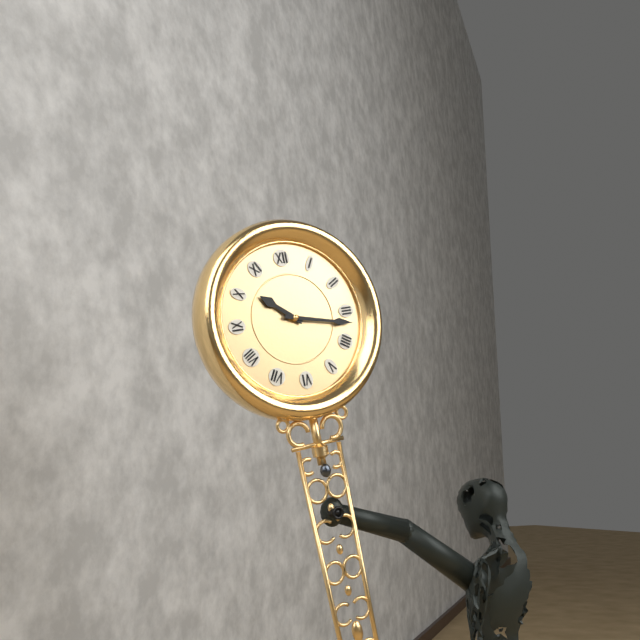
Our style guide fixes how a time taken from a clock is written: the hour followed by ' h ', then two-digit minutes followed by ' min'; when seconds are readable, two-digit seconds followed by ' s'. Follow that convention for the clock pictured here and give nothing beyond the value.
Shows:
10 h 17 min
